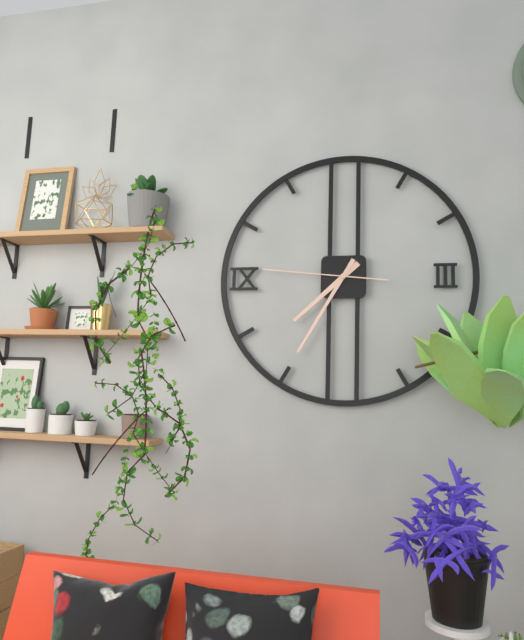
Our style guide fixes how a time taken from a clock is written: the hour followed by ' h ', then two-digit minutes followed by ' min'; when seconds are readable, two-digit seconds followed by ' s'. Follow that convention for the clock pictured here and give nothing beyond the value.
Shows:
7 h 35 min 46 s
